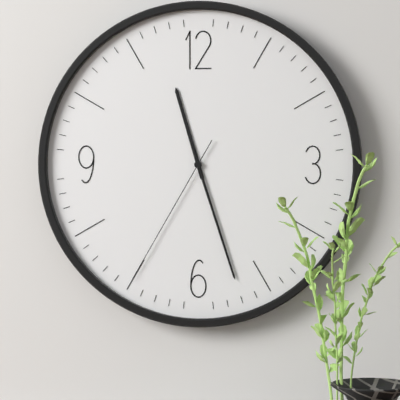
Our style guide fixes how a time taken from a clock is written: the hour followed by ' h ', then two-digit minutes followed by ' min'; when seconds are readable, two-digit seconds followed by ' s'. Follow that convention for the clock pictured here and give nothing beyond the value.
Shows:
11 h 27 min 35 s
